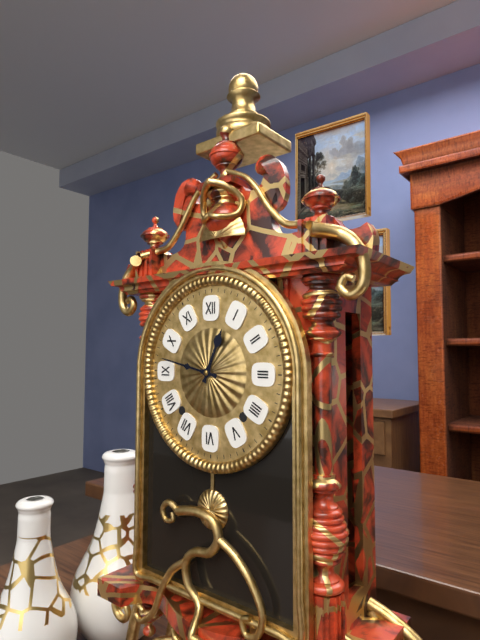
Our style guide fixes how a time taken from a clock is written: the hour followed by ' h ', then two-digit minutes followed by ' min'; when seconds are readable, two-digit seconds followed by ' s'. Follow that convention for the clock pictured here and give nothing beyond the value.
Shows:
12 h 47 min
